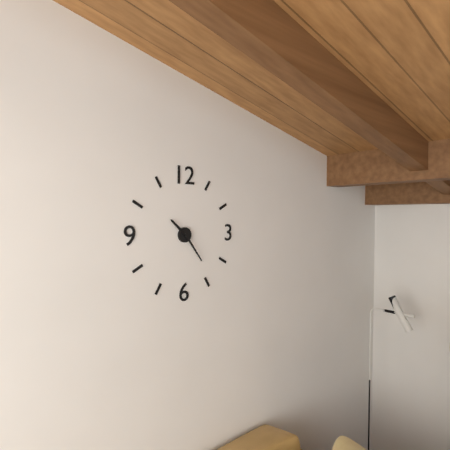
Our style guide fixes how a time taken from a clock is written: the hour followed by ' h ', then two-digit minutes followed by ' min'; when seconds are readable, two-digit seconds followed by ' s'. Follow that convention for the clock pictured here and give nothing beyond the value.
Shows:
10 h 24 min
